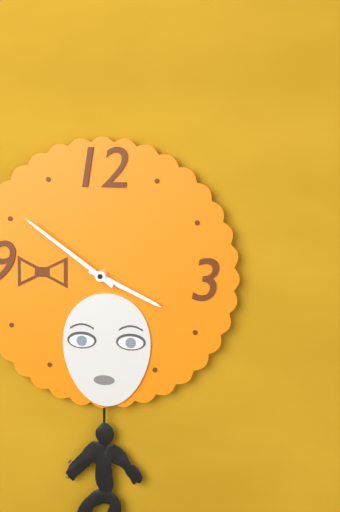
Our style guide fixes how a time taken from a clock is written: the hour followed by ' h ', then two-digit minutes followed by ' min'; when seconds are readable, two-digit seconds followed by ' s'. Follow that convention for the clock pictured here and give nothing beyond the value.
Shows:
3 h 51 min
